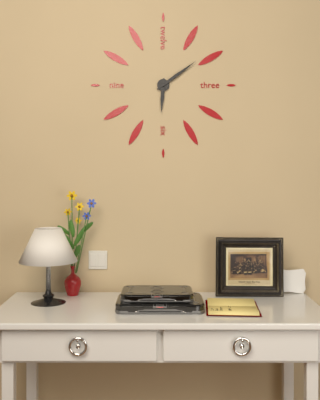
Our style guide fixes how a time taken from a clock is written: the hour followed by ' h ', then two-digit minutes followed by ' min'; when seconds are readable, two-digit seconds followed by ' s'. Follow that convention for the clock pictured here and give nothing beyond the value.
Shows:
6 h 09 min
